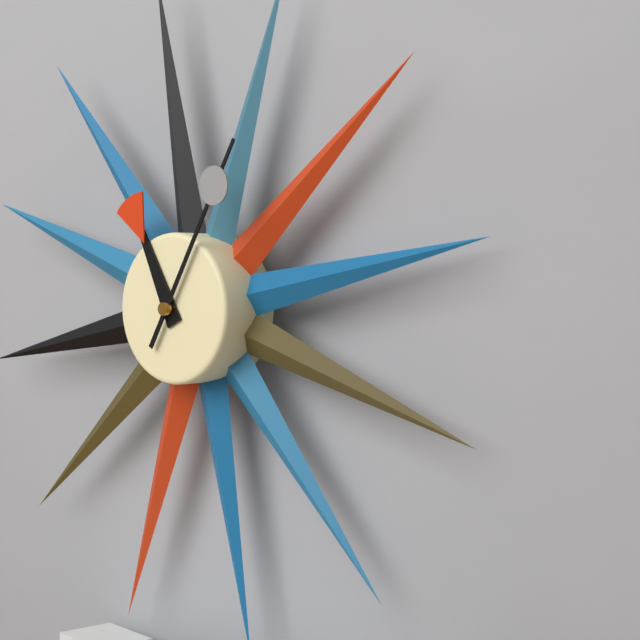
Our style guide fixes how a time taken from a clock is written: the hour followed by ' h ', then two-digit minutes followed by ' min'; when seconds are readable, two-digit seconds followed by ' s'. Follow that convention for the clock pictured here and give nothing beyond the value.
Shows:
11 h 05 min
